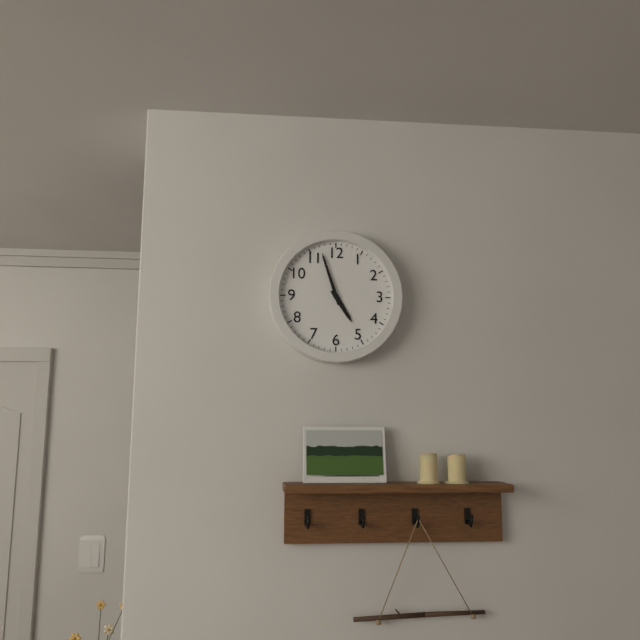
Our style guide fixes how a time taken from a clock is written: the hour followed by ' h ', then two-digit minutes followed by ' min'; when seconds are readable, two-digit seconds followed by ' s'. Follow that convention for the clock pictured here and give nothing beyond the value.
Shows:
4 h 57 min
